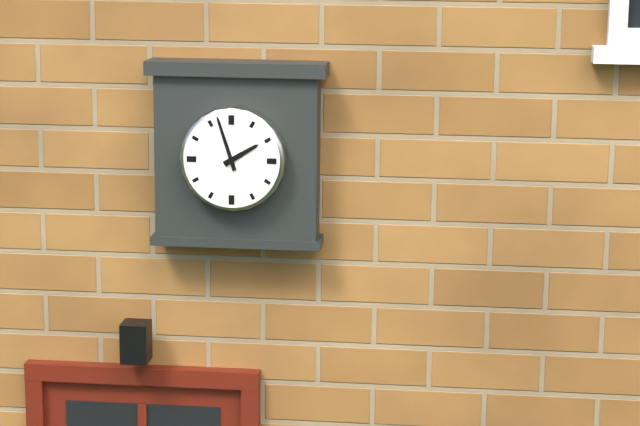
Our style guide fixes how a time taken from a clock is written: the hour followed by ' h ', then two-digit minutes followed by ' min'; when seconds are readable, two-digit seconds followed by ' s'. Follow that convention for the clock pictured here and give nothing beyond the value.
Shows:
1 h 57 min
